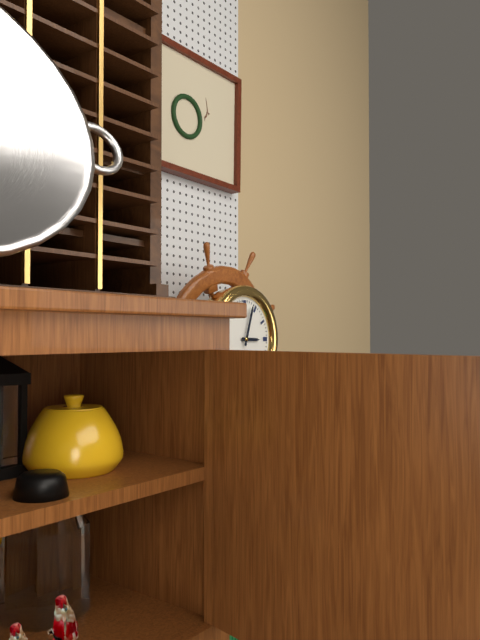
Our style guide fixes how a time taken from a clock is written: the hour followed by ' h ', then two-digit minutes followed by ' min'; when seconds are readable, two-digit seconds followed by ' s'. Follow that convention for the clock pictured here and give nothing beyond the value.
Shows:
3 h 03 min
